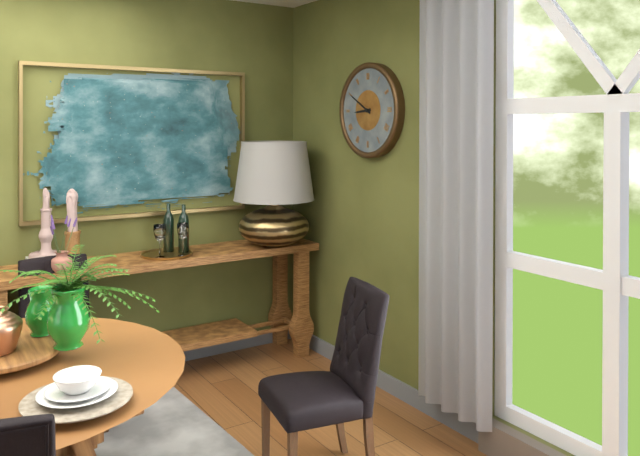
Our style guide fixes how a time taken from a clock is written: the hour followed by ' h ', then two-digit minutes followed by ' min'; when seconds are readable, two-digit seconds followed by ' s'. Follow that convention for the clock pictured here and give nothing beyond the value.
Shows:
8 h 50 min
